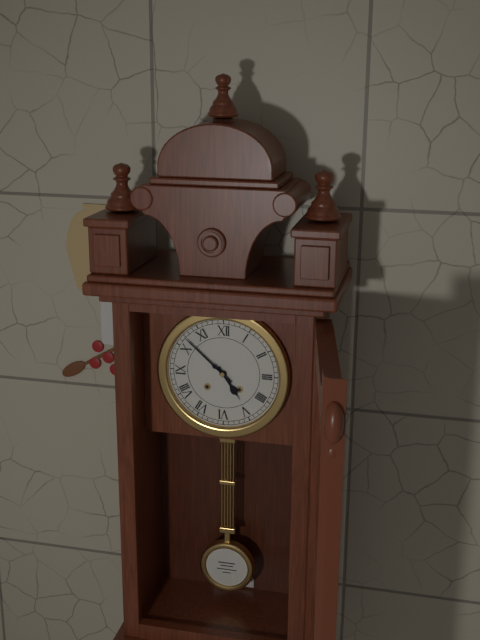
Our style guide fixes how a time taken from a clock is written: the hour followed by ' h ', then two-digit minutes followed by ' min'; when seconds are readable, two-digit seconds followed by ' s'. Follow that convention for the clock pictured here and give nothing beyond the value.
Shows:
4 h 52 min
